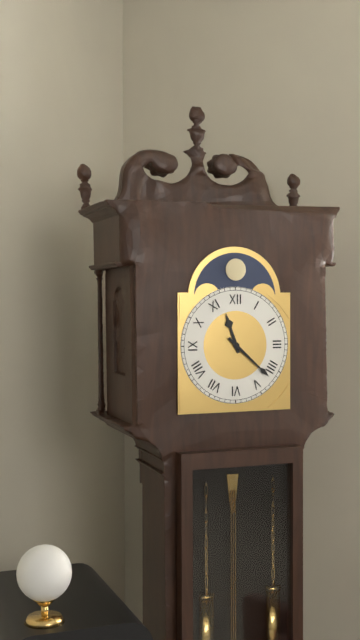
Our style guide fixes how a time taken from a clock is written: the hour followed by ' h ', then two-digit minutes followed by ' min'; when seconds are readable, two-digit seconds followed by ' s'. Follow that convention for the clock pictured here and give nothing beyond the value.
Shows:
11 h 22 min
